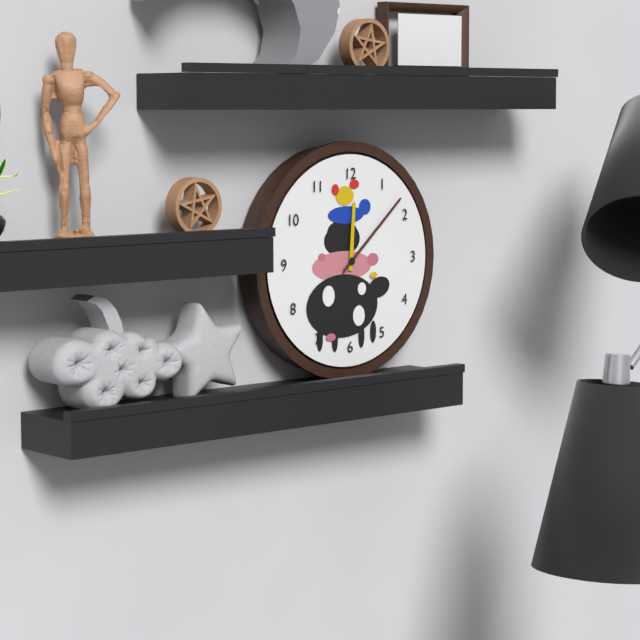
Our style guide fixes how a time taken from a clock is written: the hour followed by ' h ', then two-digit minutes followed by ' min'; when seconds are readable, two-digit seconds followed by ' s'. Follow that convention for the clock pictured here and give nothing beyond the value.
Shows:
12 h 08 min
